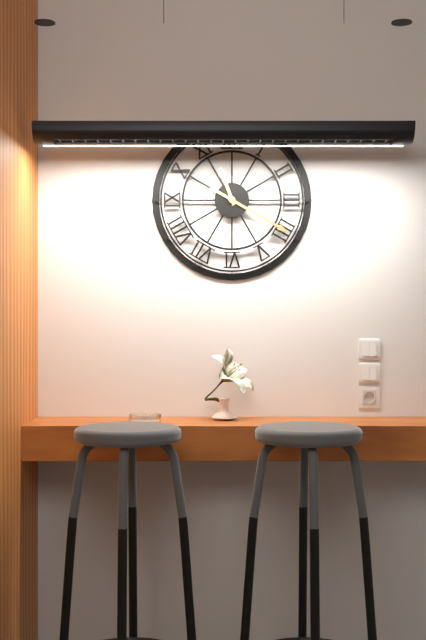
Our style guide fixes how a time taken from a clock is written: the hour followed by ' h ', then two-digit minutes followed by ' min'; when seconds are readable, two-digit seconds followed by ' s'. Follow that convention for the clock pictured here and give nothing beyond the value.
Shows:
11 h 20 min
